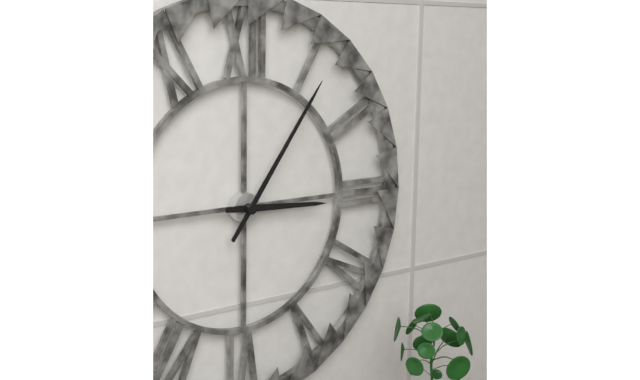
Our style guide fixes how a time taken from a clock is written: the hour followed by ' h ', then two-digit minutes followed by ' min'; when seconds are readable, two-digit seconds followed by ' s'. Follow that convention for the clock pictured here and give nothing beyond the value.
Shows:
3 h 06 min
